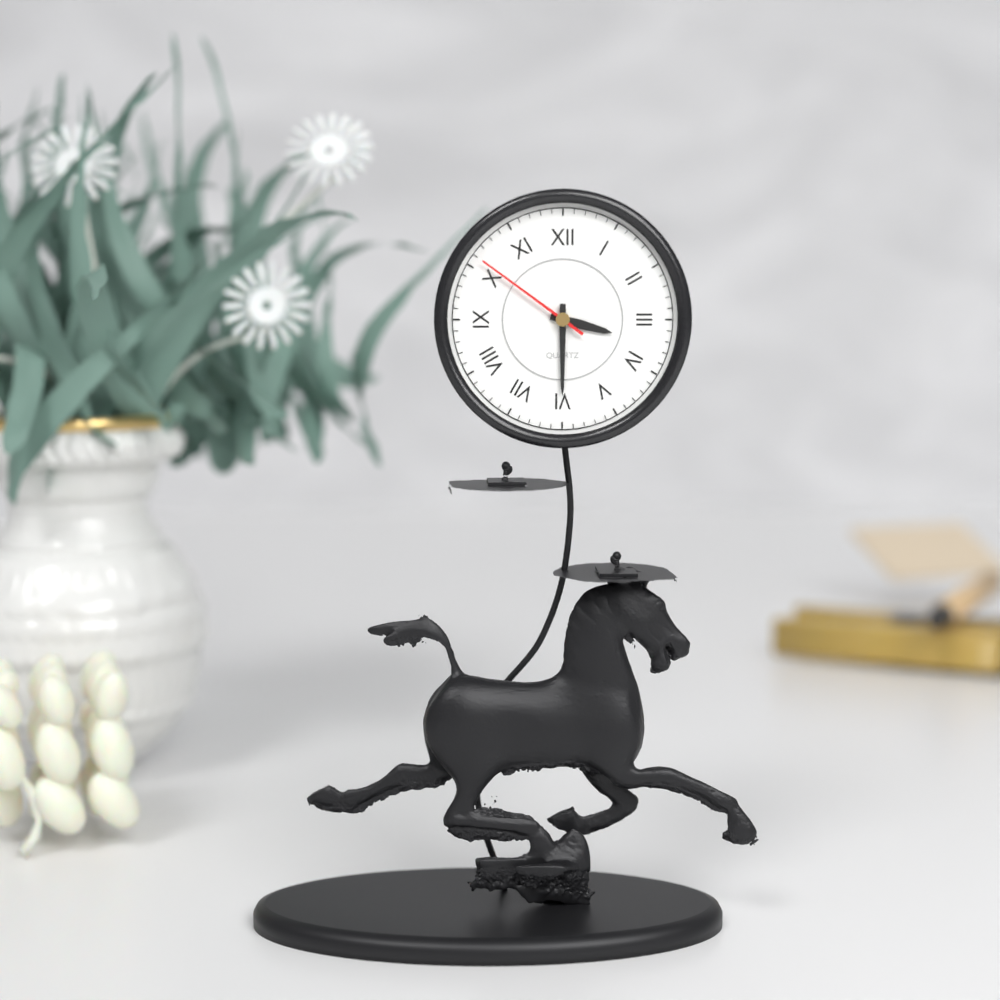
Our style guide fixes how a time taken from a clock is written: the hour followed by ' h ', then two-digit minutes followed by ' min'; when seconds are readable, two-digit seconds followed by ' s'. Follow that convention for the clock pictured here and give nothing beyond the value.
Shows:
3 h 30 min 51 s
